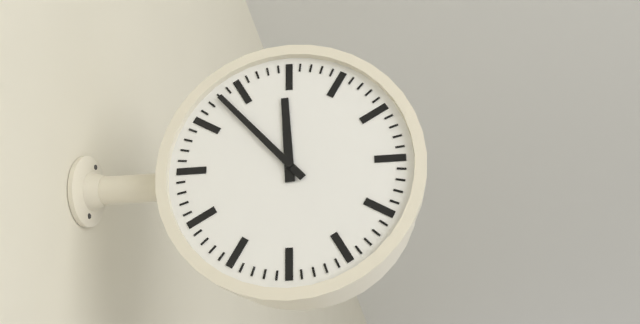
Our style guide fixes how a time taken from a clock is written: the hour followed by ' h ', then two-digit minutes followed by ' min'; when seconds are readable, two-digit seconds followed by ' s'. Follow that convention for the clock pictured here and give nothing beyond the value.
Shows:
11 h 53 min
